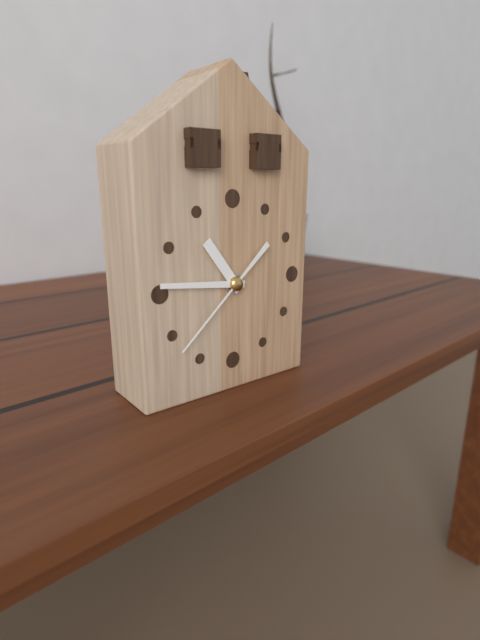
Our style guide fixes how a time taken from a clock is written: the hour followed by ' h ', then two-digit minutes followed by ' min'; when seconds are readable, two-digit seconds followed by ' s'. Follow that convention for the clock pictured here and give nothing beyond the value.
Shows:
10 h 46 min 38 s
